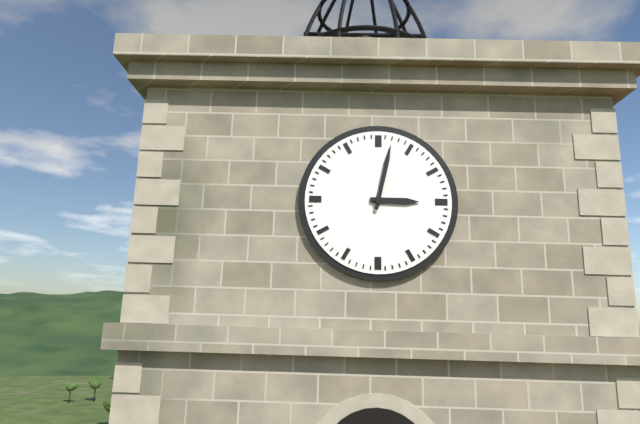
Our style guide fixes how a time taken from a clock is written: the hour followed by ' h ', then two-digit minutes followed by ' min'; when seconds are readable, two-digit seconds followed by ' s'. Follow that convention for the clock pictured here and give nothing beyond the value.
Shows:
3 h 02 min
